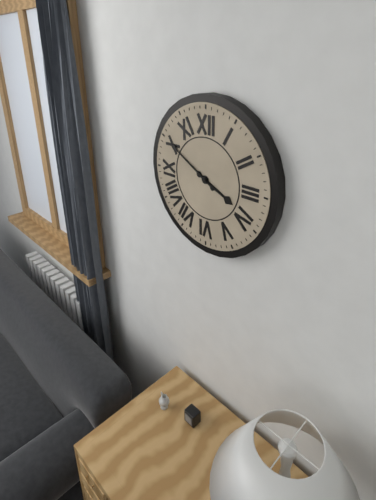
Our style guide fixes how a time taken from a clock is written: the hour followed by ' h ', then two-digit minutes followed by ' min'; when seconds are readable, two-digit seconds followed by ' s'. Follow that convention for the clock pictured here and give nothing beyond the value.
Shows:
3 h 50 min
